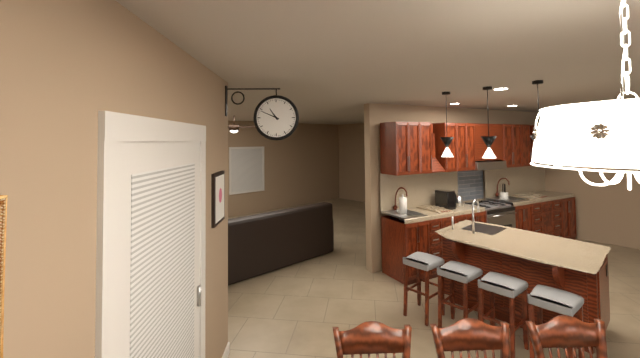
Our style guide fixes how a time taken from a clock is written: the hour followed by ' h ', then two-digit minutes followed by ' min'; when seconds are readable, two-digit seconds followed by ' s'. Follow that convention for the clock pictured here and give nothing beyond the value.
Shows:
10 h 49 min
